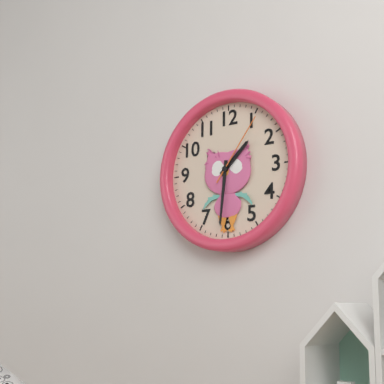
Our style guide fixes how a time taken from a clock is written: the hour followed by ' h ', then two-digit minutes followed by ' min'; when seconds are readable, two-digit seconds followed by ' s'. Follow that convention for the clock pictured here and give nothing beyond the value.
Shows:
1 h 31 min 06 s
